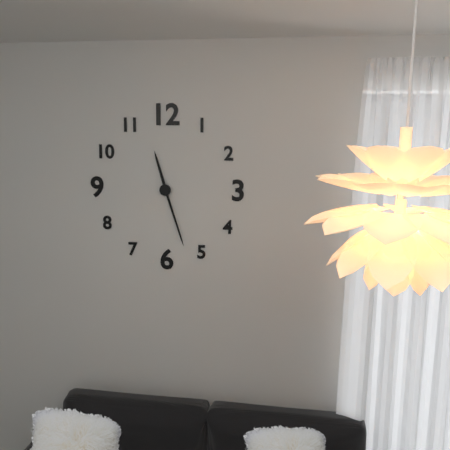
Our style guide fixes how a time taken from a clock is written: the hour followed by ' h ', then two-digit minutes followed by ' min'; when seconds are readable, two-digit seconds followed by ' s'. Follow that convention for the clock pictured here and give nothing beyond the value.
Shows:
11 h 27 min
